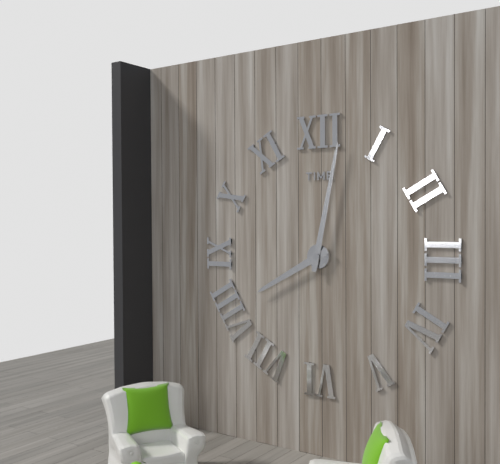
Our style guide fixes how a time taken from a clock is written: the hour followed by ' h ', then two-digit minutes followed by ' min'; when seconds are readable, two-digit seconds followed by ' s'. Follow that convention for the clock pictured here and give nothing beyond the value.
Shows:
8 h 02 min
